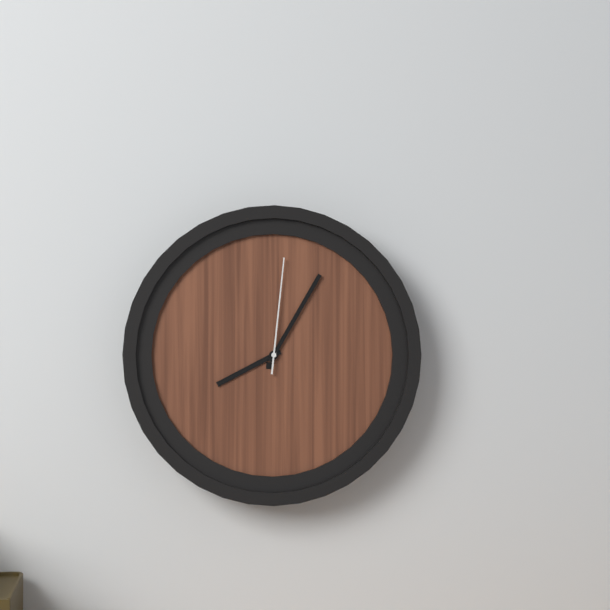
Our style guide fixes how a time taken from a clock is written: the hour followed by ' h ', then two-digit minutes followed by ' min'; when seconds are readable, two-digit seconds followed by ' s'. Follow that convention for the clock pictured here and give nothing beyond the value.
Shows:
8 h 05 min 01 s
